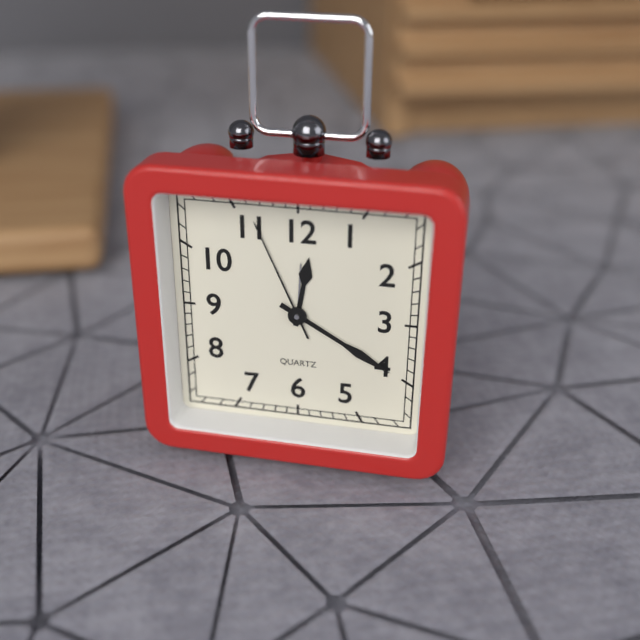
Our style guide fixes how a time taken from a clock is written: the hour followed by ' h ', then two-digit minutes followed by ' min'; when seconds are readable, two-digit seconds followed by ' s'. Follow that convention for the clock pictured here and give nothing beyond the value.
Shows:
12 h 20 min 56 s
